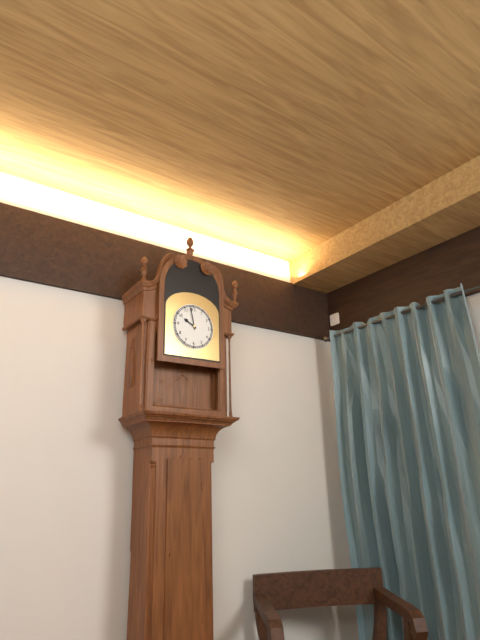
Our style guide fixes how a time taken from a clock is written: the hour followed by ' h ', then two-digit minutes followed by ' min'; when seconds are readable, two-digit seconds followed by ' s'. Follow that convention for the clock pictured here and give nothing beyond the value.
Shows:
9 h 58 min
